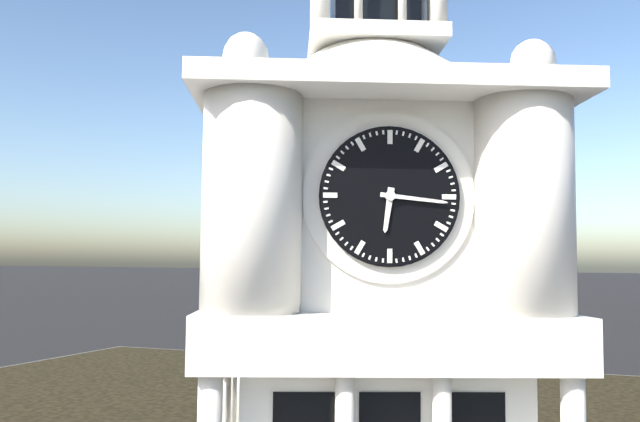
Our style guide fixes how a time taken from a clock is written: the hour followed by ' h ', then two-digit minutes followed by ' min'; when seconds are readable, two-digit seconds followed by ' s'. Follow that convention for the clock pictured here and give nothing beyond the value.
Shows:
6 h 16 min
